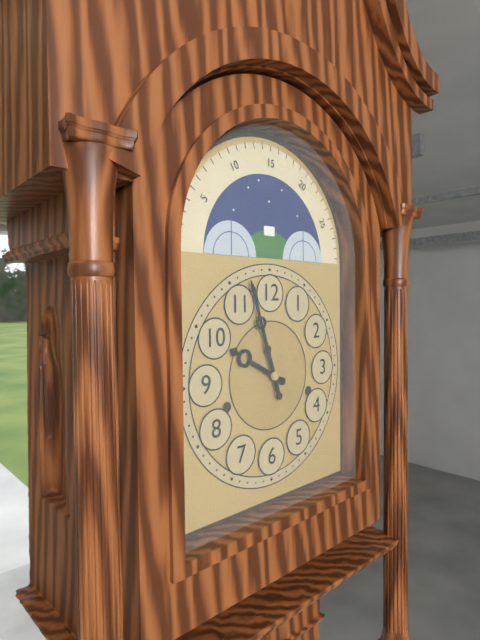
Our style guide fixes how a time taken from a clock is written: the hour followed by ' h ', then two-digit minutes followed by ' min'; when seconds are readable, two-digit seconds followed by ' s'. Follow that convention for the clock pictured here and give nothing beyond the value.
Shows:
9 h 57 min
